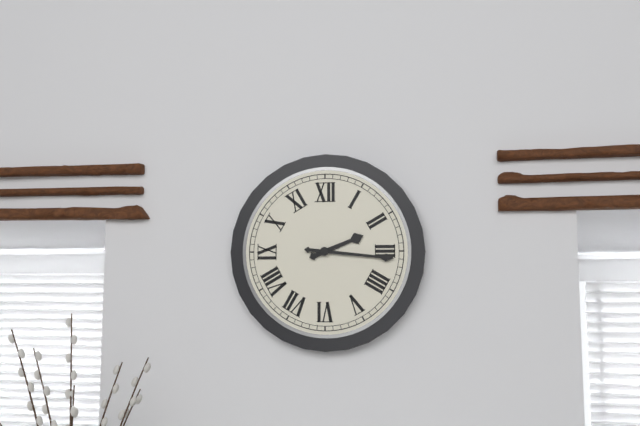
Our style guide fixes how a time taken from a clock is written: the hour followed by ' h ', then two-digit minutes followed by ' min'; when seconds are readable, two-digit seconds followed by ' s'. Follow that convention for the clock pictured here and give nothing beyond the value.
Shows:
2 h 16 min
